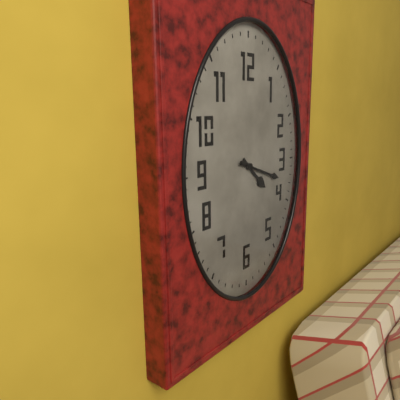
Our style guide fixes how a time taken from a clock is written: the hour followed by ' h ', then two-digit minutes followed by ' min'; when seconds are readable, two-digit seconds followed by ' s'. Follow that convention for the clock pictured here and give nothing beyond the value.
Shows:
4 h 18 min
